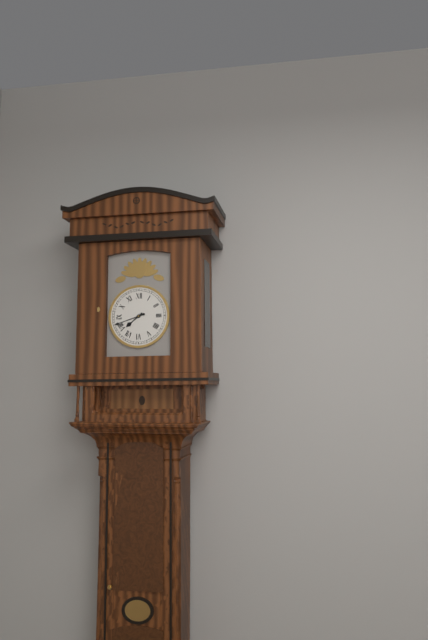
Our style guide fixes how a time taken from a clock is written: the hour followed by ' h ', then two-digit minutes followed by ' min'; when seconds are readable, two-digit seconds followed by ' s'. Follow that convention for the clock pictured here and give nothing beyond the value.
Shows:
7 h 42 min
